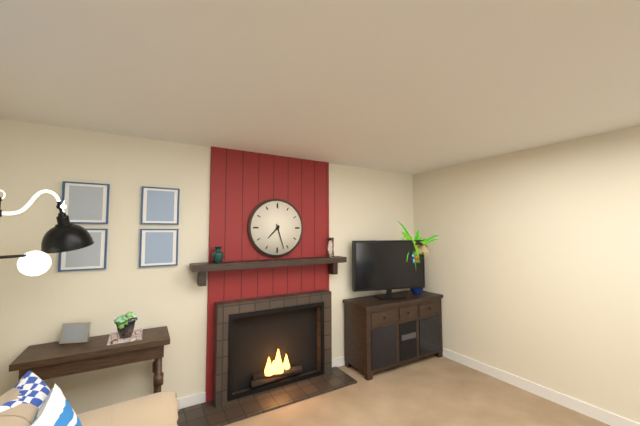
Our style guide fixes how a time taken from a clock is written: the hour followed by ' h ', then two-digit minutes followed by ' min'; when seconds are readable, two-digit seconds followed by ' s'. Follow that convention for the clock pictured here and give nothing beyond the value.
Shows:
7 h 27 min
